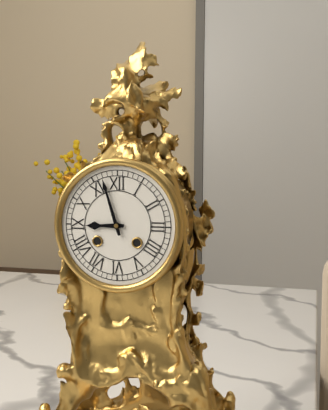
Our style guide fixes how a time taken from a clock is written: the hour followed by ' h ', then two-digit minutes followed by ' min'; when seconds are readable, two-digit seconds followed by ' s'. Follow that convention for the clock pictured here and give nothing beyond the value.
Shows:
8 h 57 min
